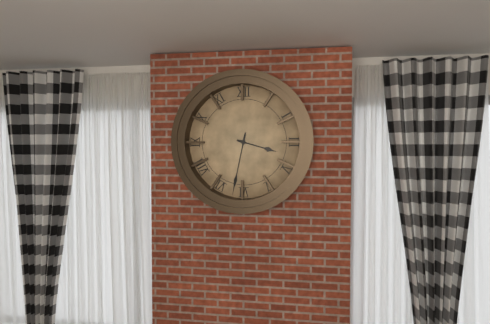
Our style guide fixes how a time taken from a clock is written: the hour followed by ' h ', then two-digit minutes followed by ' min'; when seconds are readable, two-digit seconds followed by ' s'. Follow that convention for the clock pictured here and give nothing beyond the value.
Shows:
3 h 32 min
